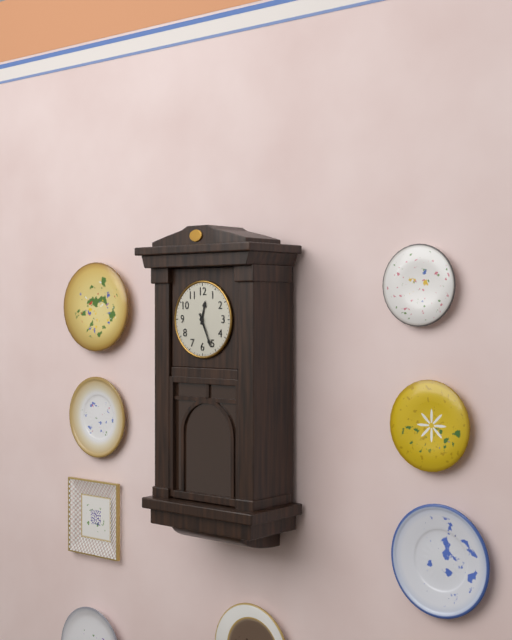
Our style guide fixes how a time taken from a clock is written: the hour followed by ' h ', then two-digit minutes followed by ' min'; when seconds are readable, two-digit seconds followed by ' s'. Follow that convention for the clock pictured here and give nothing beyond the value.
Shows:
12 h 26 min
